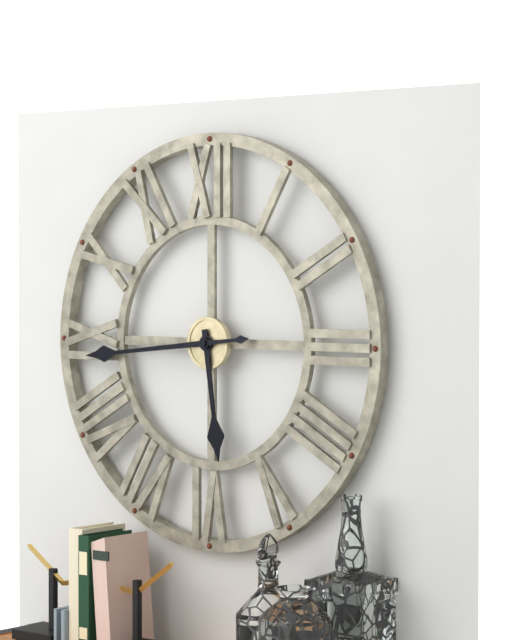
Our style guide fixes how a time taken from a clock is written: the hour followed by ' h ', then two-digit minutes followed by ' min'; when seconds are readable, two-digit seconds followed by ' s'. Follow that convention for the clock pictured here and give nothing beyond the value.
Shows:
5 h 44 min
